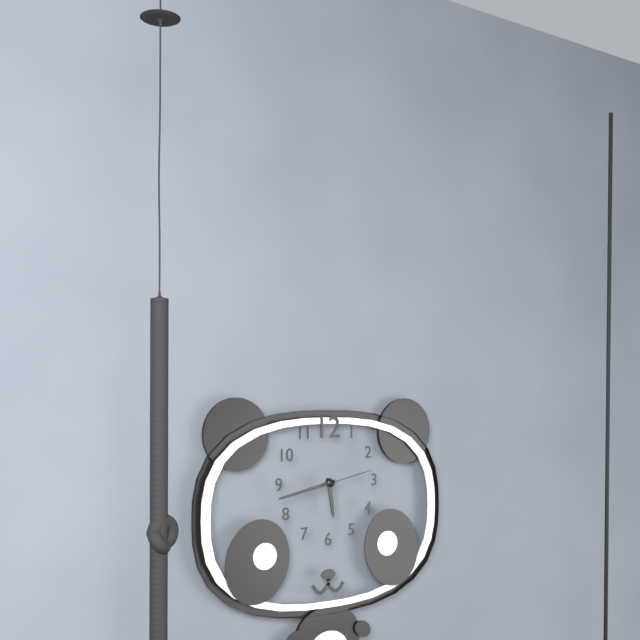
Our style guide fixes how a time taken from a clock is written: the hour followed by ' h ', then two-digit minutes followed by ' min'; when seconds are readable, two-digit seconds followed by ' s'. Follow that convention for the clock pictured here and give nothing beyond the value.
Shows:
5 h 43 min 13 s
